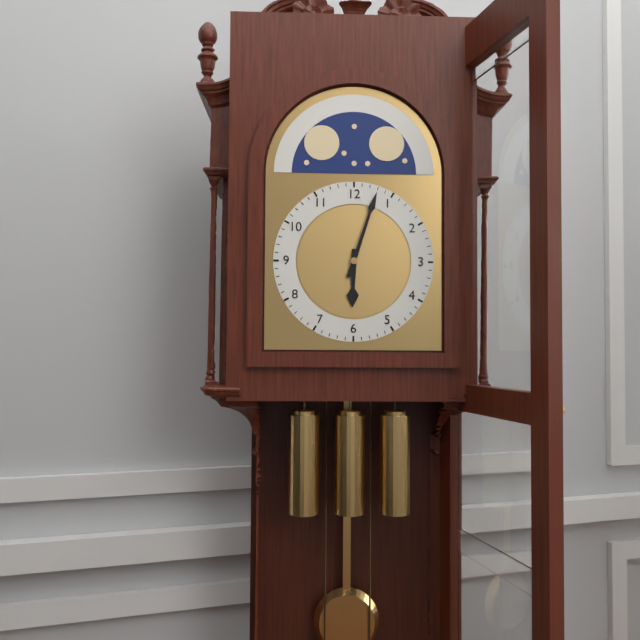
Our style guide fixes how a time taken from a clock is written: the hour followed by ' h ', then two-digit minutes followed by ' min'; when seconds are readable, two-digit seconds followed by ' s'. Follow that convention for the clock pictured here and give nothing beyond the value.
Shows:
6 h 03 min
